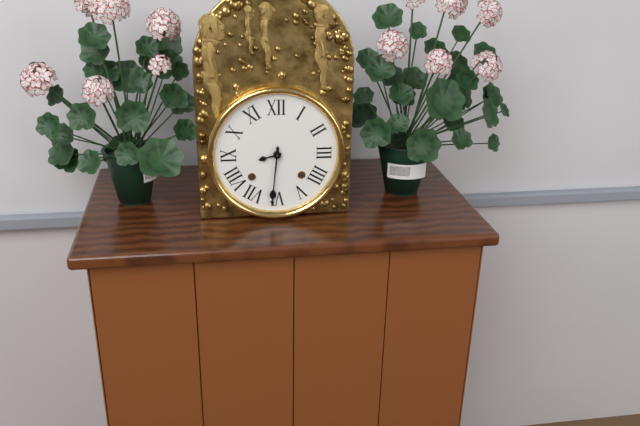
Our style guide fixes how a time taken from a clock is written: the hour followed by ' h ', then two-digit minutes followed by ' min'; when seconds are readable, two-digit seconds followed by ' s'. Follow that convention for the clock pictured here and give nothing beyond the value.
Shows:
8 h 31 min
